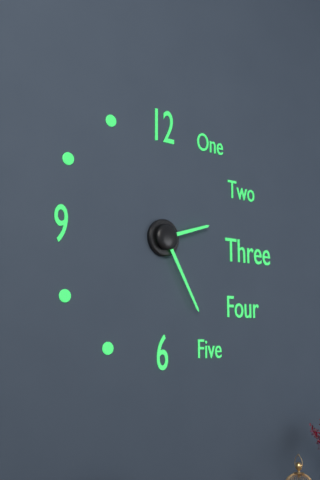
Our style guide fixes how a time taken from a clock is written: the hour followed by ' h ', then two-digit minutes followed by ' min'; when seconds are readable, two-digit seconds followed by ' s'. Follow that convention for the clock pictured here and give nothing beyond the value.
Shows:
2 h 25 min
